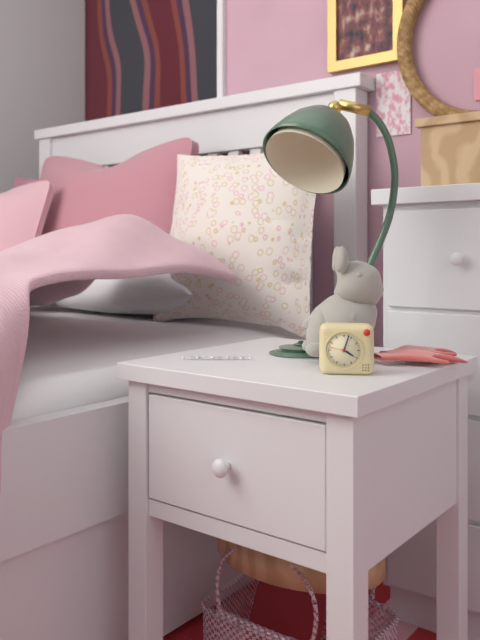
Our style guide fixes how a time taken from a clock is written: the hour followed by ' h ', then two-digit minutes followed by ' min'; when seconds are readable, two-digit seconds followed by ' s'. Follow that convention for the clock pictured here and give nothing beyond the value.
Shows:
4 h 03 min
